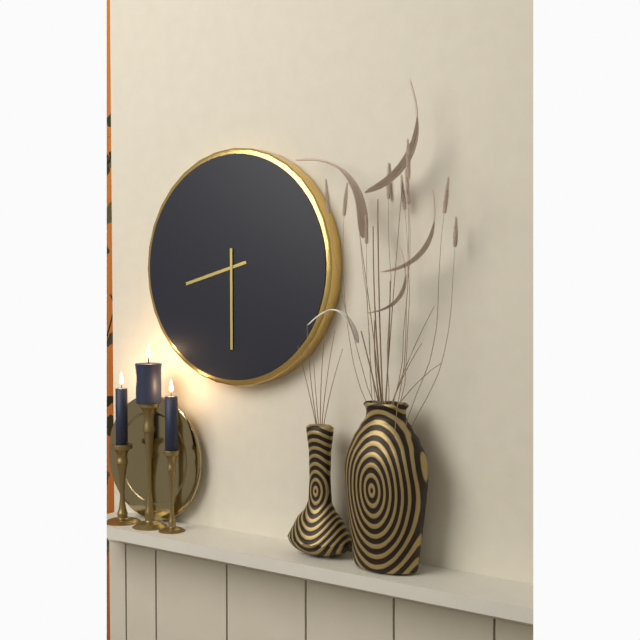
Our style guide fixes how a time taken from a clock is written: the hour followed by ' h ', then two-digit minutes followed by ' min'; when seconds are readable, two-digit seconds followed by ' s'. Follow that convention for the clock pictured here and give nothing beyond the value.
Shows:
8 h 30 min
